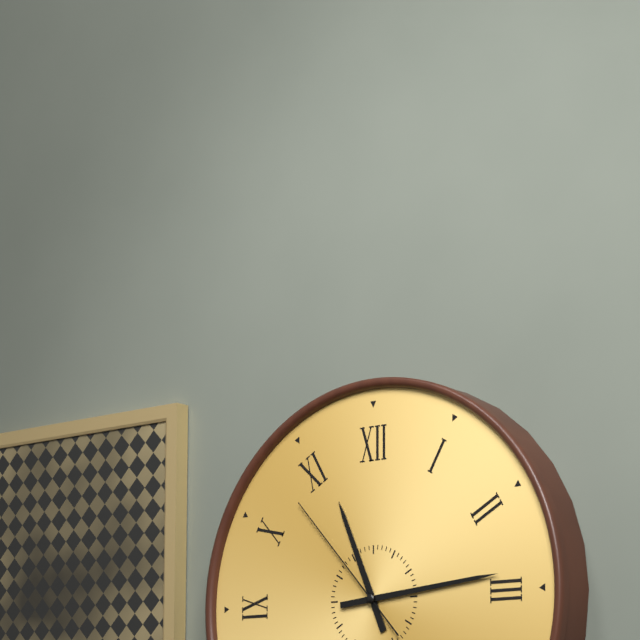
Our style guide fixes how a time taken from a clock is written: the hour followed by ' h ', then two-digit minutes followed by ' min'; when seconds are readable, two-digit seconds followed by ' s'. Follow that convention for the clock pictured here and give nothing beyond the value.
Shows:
11 h 14 min 53 s
